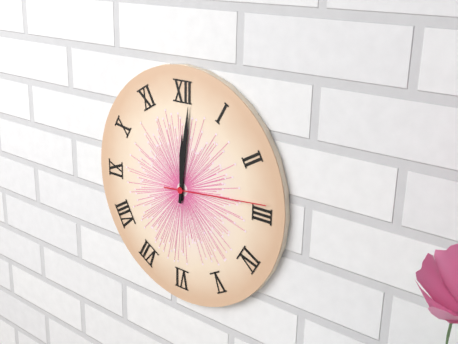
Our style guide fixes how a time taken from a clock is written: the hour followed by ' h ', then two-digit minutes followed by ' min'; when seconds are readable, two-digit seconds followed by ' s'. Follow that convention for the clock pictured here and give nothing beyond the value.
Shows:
12 h 01 min 14 s
